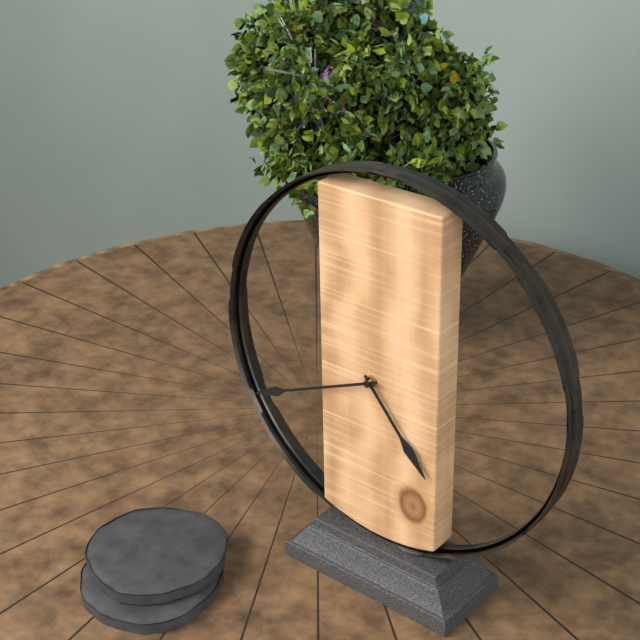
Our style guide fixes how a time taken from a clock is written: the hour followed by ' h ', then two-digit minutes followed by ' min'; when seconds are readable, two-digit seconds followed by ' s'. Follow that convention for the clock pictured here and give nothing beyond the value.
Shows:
4 h 41 min
